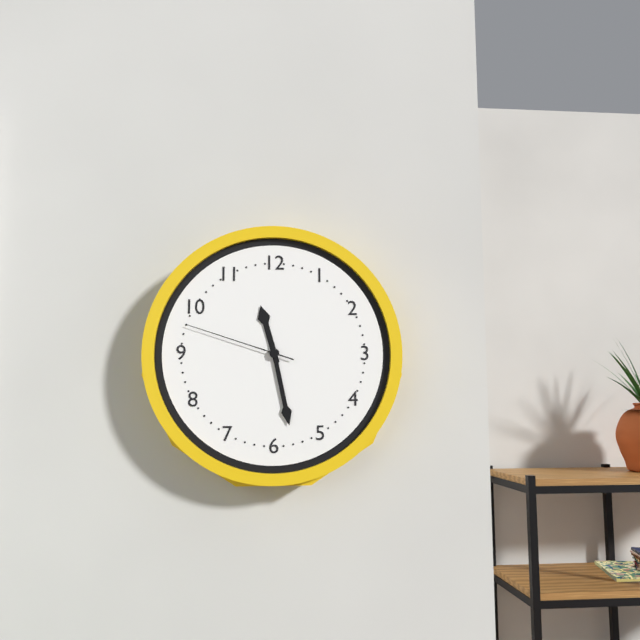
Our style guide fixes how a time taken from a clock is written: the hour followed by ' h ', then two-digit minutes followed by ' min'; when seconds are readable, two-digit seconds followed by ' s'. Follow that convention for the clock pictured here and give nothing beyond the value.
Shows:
11 h 28 min 48 s
